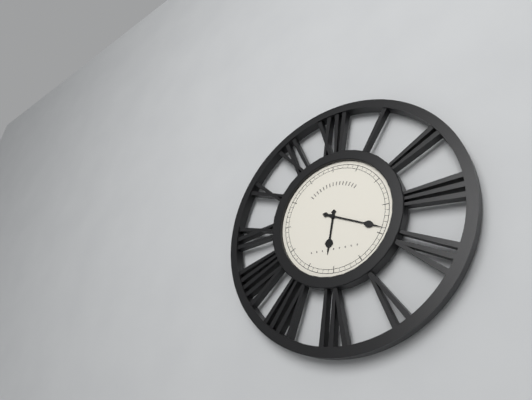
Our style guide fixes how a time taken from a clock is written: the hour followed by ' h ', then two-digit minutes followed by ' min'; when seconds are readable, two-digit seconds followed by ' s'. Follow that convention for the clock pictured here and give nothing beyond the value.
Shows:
6 h 19 min
